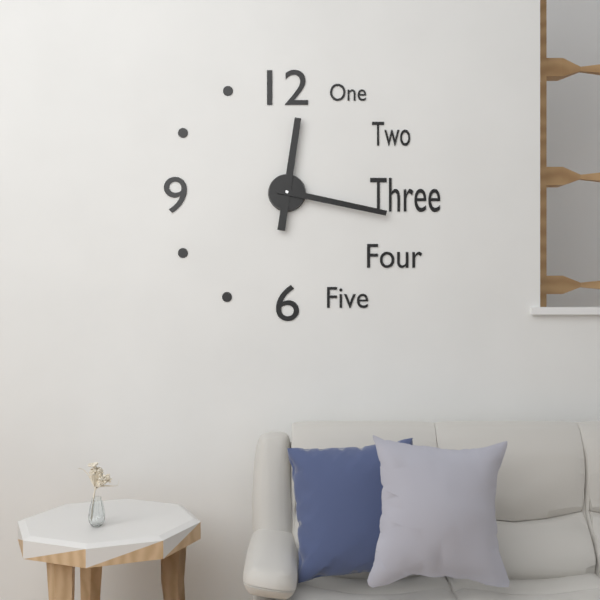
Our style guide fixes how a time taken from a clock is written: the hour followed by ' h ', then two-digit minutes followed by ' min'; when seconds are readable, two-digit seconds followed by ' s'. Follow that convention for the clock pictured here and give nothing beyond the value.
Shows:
12 h 17 min
